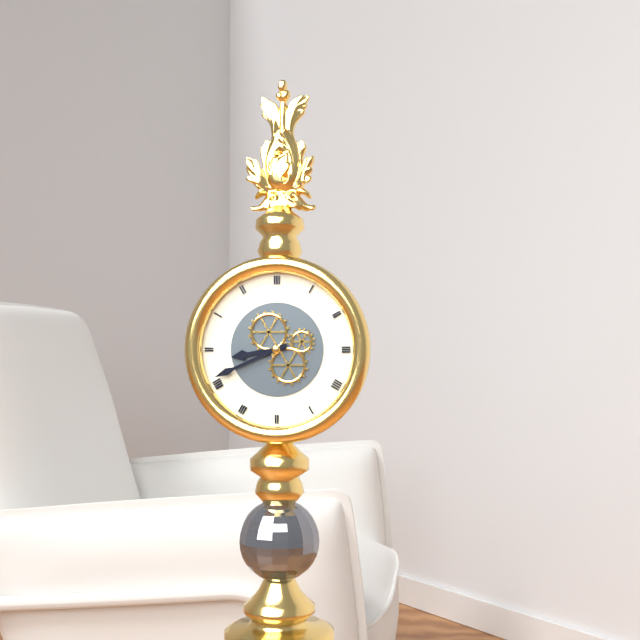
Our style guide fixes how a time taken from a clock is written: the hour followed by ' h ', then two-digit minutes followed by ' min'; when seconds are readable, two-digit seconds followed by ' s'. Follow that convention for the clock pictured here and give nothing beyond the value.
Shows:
8 h 41 min
